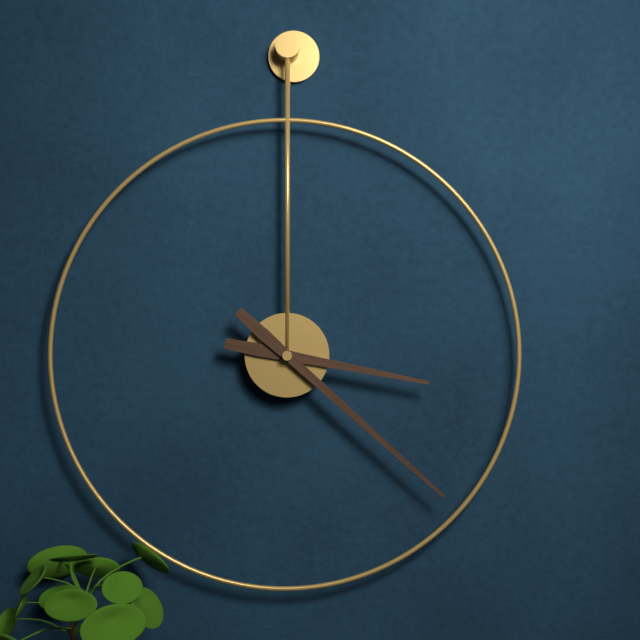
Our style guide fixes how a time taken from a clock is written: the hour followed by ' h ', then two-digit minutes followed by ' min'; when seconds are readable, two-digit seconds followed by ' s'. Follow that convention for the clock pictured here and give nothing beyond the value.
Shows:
3 h 22 min
